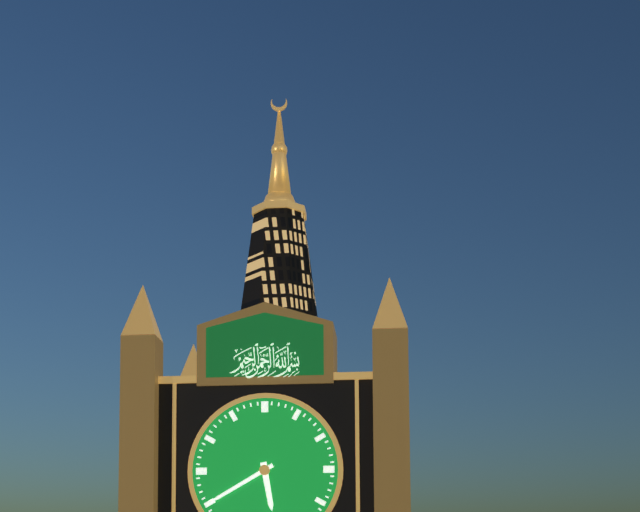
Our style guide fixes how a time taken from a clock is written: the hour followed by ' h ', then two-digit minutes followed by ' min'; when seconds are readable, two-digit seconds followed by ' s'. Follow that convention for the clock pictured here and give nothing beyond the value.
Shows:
5 h 40 min
